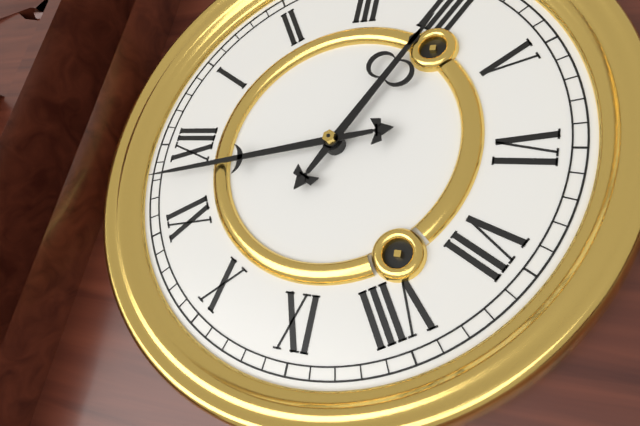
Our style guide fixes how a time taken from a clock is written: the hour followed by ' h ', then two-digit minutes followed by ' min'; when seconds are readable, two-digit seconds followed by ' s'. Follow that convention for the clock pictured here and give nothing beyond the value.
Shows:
3 h 58 min
